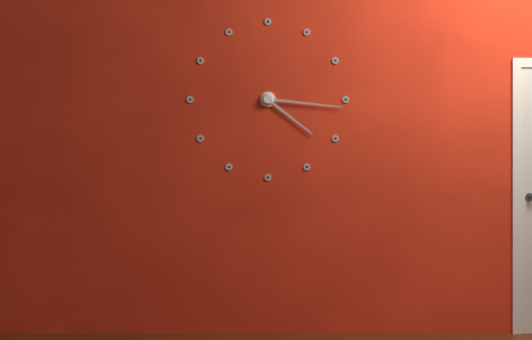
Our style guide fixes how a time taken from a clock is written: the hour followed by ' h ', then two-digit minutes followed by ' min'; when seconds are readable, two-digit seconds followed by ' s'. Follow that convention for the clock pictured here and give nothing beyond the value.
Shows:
4 h 16 min
